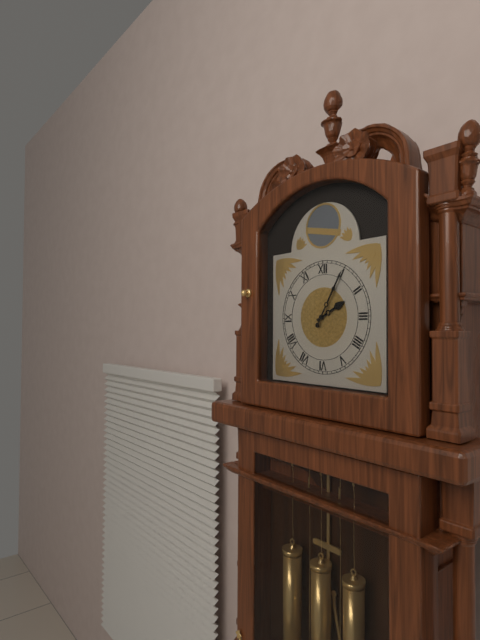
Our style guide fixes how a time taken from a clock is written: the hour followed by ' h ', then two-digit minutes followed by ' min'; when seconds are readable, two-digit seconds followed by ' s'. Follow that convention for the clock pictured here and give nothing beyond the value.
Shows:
2 h 05 min
